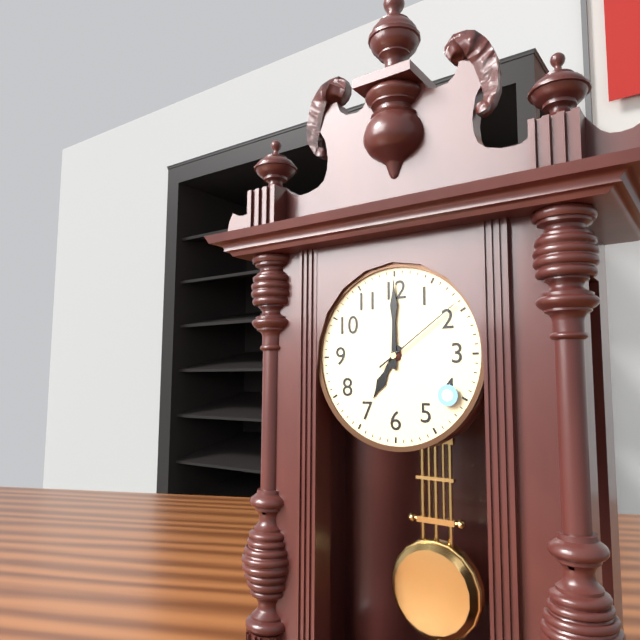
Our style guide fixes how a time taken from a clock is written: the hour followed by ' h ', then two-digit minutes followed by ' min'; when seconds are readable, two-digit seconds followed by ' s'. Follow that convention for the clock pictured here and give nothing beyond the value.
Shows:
7 h 00 min 09 s
